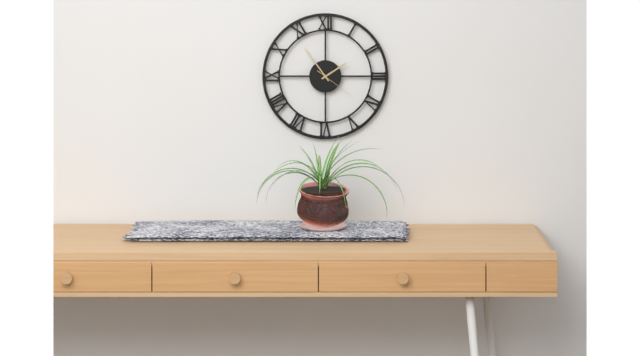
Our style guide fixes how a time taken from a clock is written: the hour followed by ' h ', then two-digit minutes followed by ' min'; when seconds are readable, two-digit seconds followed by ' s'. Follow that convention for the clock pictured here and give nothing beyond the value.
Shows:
1 h 54 min
